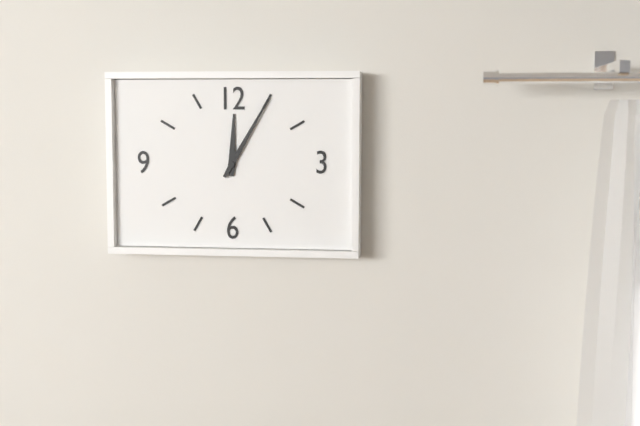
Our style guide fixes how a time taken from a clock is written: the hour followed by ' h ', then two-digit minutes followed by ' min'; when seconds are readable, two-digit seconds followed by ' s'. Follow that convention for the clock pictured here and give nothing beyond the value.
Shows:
12 h 05 min
